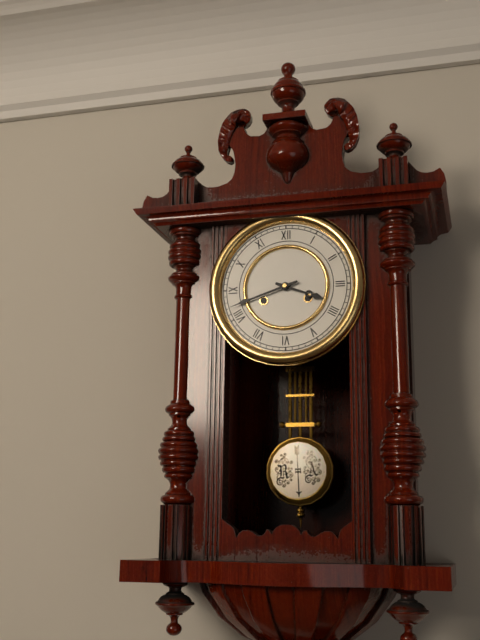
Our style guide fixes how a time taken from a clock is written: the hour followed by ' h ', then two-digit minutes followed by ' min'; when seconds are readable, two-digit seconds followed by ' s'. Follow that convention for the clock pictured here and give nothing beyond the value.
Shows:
3 h 42 min
